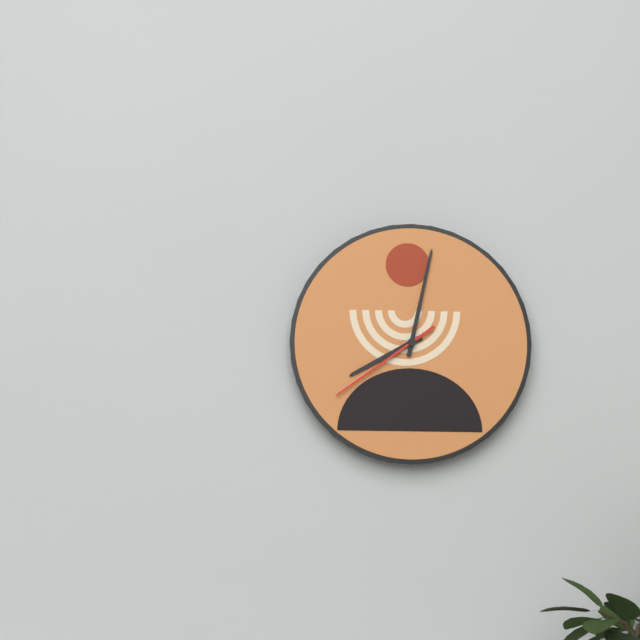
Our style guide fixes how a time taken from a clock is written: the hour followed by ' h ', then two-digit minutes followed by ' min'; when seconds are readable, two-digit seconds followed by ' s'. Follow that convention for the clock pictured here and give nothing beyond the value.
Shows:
8 h 02 min 39 s
